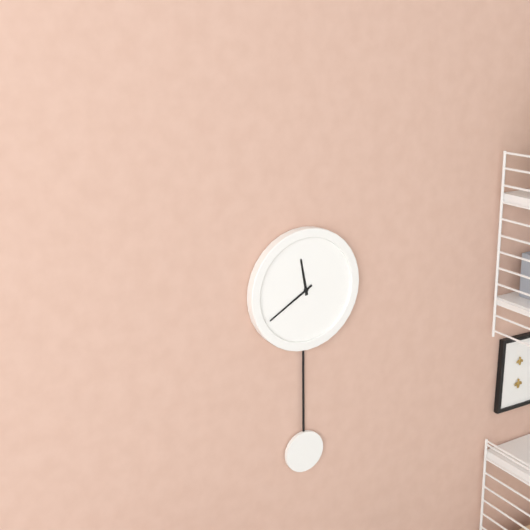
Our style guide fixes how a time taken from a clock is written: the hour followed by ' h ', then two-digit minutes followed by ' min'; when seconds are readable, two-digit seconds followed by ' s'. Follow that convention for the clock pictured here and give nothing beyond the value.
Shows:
11 h 40 min
